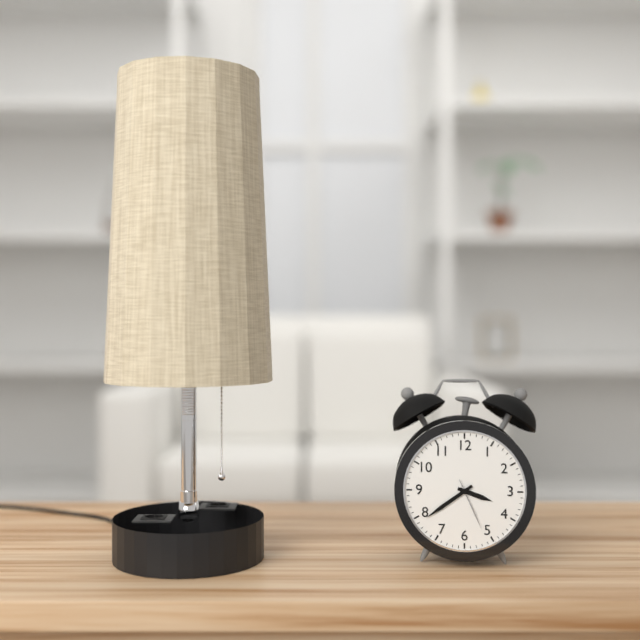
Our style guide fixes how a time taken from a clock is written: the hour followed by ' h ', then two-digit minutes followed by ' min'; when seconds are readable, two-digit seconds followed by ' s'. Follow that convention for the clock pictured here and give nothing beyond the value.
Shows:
3 h 39 min 26 s
